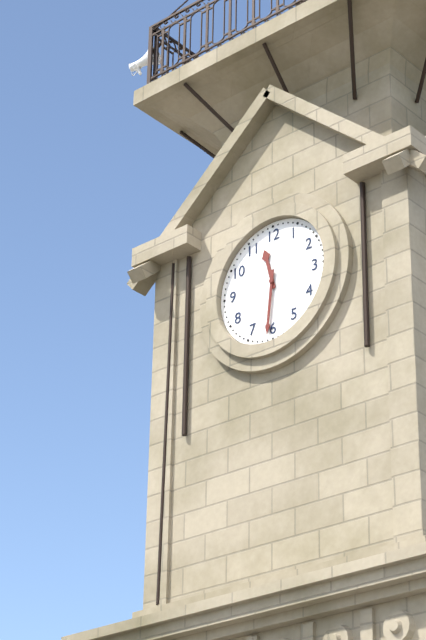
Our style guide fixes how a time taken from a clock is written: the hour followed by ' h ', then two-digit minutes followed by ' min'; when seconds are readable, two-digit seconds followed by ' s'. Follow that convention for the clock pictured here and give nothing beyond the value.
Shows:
11 h 31 min
